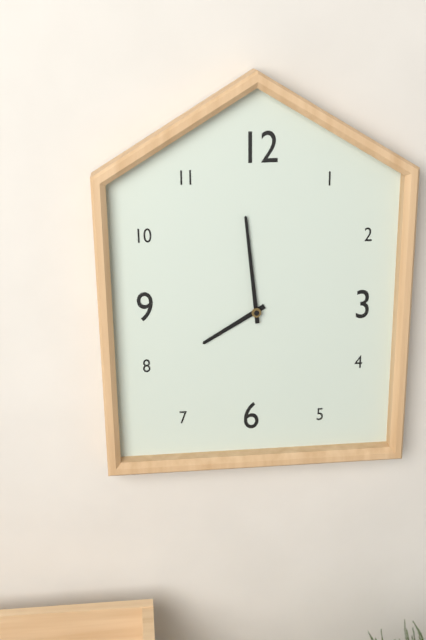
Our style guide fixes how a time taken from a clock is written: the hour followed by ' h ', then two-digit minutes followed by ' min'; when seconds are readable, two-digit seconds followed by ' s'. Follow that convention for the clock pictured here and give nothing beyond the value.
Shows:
7 h 59 min
